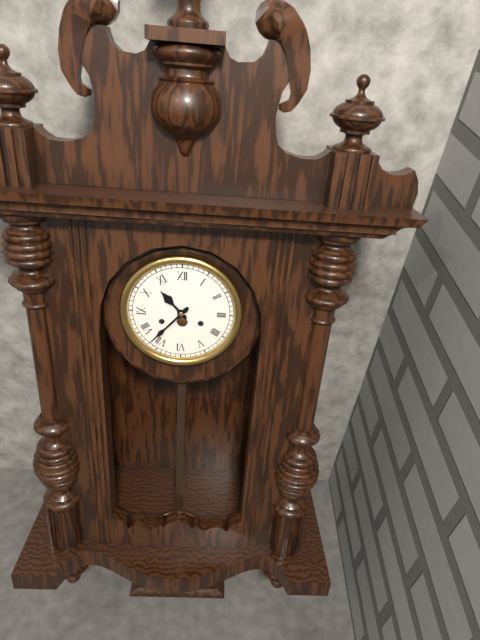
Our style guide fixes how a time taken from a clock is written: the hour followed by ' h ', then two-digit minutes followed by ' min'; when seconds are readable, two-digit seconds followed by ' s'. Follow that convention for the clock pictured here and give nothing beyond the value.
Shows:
10 h 37 min
